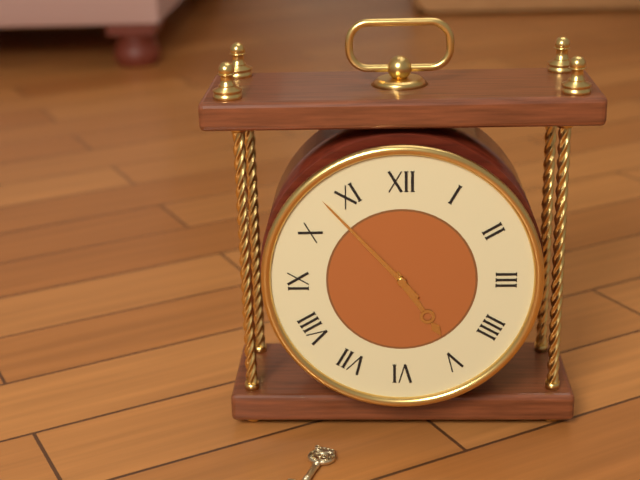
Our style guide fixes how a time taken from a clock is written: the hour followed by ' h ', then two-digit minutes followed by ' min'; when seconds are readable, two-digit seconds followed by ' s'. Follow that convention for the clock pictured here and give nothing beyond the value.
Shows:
4 h 53 min
